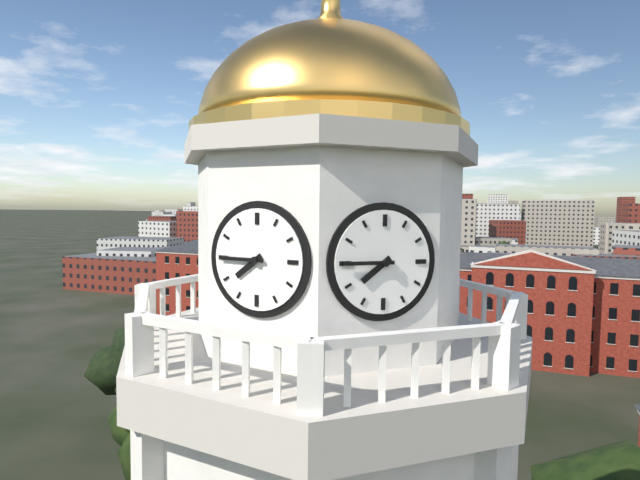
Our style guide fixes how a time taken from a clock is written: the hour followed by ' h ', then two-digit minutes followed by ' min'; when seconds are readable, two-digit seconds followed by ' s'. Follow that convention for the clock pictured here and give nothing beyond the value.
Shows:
7 h 45 min
